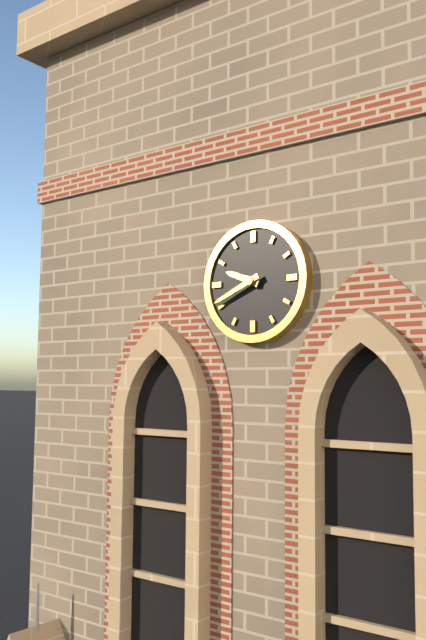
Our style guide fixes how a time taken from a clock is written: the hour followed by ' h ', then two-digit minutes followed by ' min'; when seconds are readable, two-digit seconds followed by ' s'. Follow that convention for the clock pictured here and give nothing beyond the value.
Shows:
9 h 41 min
